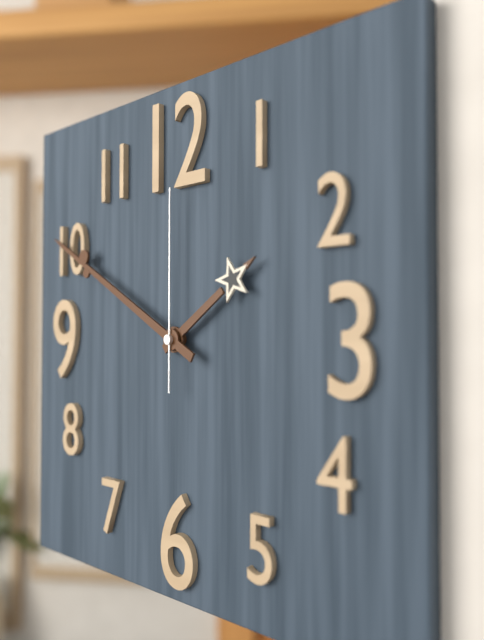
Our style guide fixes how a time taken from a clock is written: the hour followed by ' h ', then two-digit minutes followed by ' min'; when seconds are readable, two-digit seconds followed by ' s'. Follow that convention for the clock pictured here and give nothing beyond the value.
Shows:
1 h 50 min 00 s
